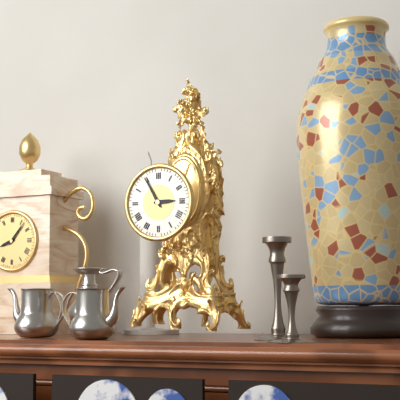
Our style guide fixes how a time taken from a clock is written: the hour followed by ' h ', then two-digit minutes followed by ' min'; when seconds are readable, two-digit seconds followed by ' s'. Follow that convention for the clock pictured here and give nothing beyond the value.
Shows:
2 h 55 min
